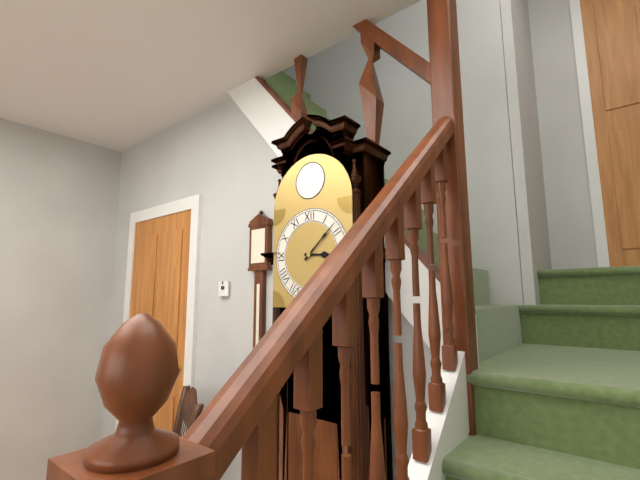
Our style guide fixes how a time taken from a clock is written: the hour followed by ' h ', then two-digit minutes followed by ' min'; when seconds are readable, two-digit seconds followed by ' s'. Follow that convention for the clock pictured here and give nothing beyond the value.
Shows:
3 h 08 min
